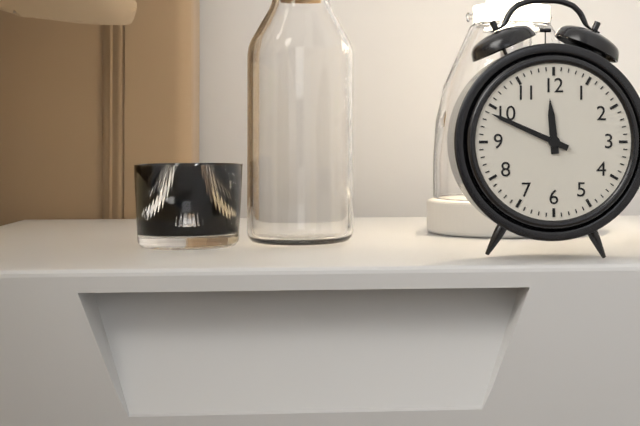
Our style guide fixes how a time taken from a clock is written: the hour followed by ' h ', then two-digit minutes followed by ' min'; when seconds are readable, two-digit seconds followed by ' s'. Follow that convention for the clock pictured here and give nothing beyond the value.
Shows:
11 h 49 min
